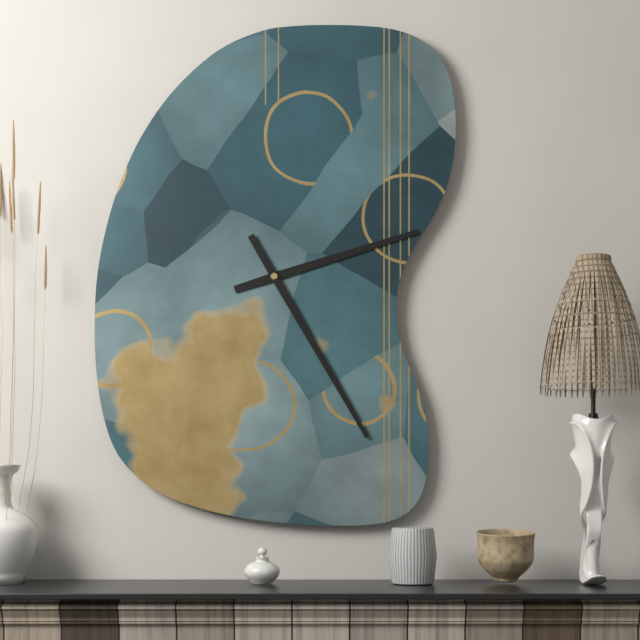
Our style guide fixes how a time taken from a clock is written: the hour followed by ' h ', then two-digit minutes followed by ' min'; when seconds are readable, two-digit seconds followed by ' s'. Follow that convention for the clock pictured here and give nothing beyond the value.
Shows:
2 h 25 min
